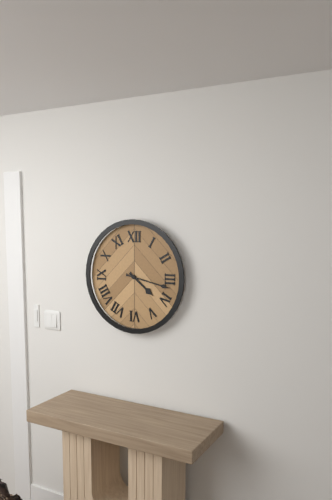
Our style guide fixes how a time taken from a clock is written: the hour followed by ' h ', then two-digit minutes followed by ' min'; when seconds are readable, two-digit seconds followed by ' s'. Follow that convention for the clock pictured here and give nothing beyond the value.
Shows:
4 h 17 min
